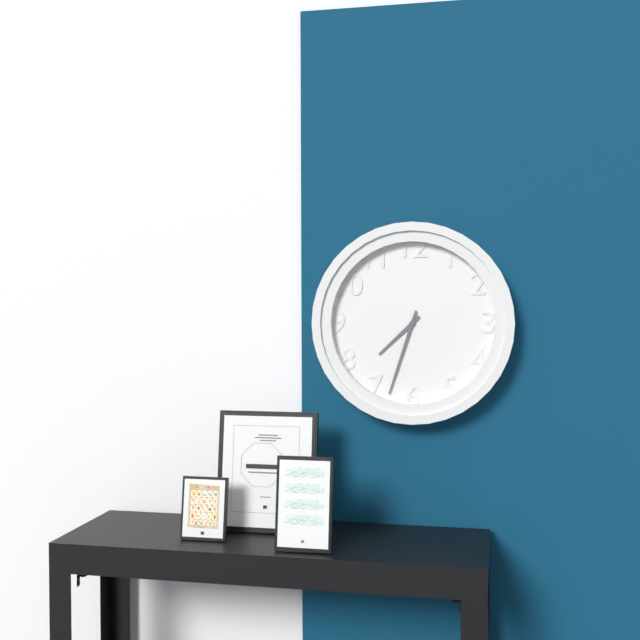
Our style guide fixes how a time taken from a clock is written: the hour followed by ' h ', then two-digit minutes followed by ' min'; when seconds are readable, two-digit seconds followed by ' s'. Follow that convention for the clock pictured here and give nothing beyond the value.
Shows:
7 h 33 min
